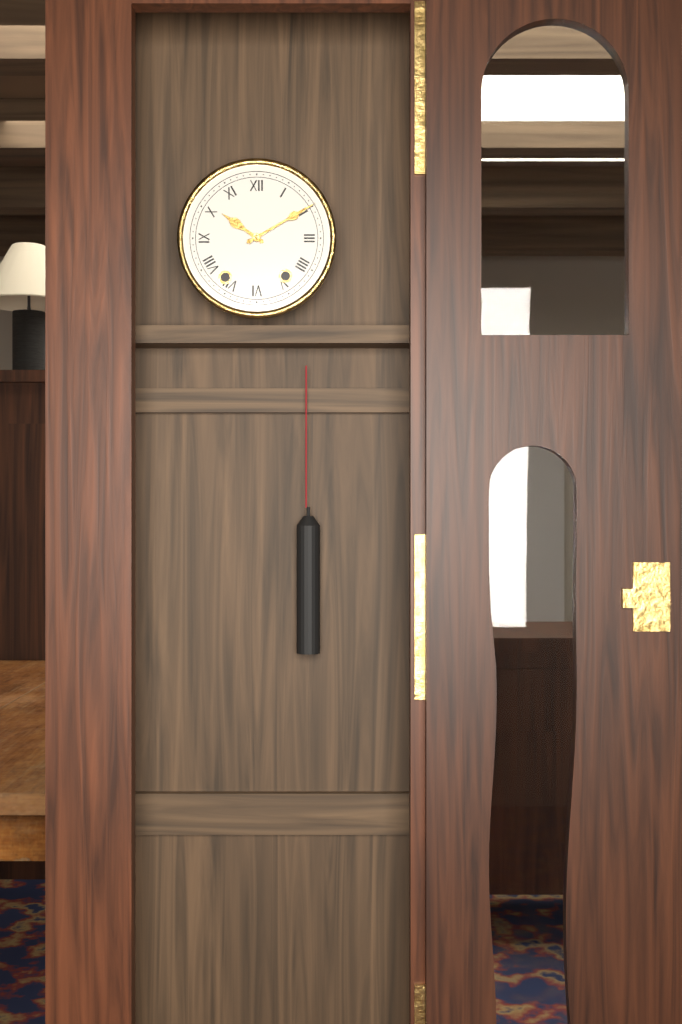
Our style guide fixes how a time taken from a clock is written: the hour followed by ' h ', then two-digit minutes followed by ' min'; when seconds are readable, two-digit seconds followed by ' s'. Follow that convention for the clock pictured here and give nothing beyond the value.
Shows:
10 h 10 min
